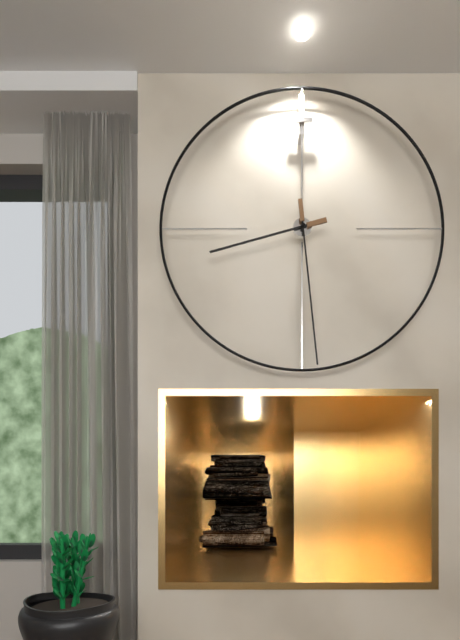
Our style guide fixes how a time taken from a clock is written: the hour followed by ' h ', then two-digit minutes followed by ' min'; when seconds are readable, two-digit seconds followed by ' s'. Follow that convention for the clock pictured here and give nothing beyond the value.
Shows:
8 h 29 min
